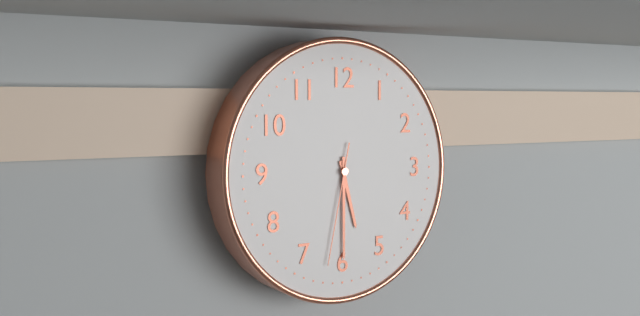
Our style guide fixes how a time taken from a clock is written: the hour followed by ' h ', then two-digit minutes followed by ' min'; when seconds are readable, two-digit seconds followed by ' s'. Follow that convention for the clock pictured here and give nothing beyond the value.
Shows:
5 h 30 min 32 s
